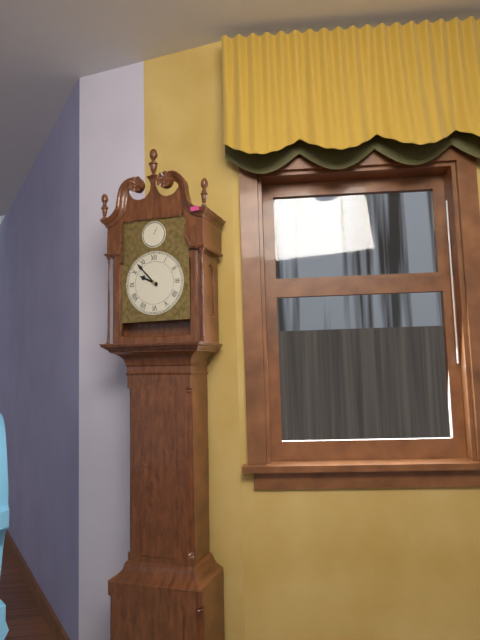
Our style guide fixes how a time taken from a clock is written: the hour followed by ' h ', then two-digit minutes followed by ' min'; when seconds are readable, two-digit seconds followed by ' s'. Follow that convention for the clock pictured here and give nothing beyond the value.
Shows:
9 h 53 min
